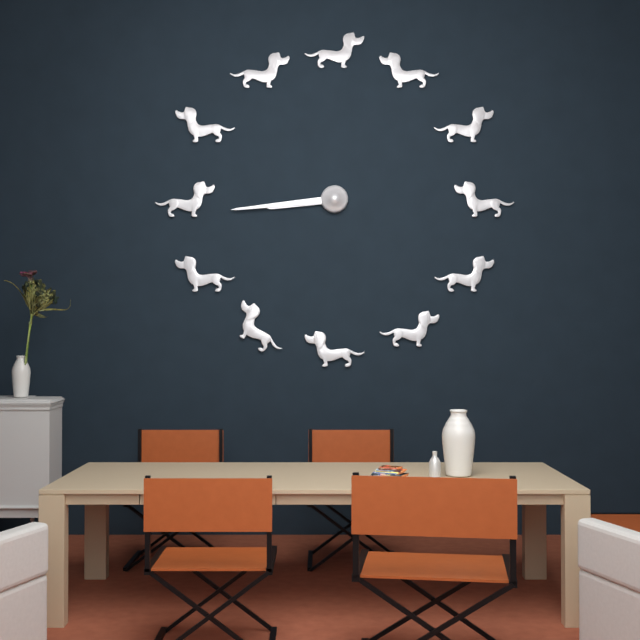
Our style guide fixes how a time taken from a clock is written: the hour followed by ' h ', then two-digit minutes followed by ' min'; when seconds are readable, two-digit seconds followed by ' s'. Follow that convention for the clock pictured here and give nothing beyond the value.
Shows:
8 h 44 min
